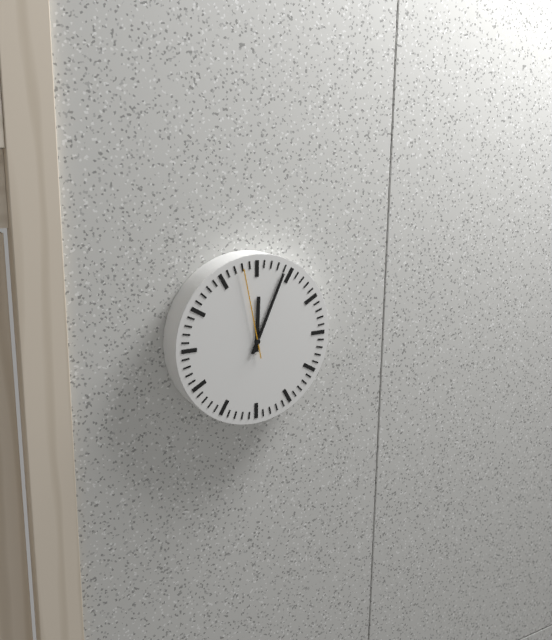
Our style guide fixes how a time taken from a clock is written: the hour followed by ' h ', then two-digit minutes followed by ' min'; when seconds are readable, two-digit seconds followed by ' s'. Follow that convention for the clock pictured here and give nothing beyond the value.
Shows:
12 h 04 min 58 s
